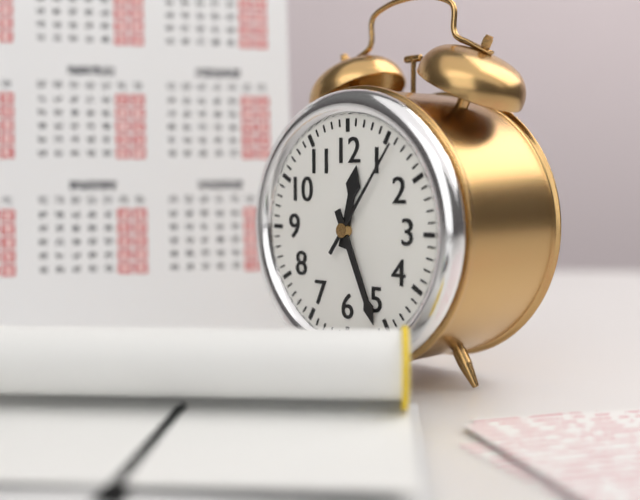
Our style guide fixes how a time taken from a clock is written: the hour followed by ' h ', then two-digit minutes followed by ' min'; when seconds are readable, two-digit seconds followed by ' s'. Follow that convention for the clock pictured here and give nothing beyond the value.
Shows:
12 h 26 min 06 s
